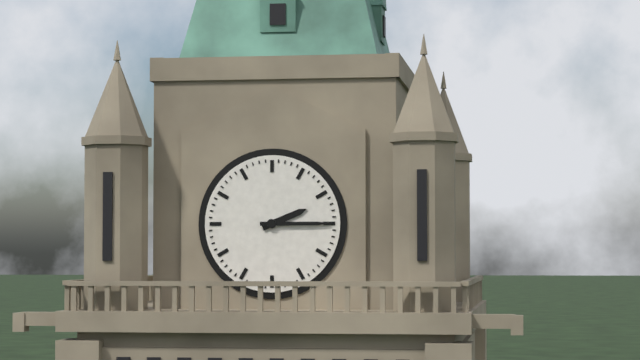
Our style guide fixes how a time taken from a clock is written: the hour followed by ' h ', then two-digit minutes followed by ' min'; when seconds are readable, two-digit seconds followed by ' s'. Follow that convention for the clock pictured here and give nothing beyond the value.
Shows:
2 h 15 min
